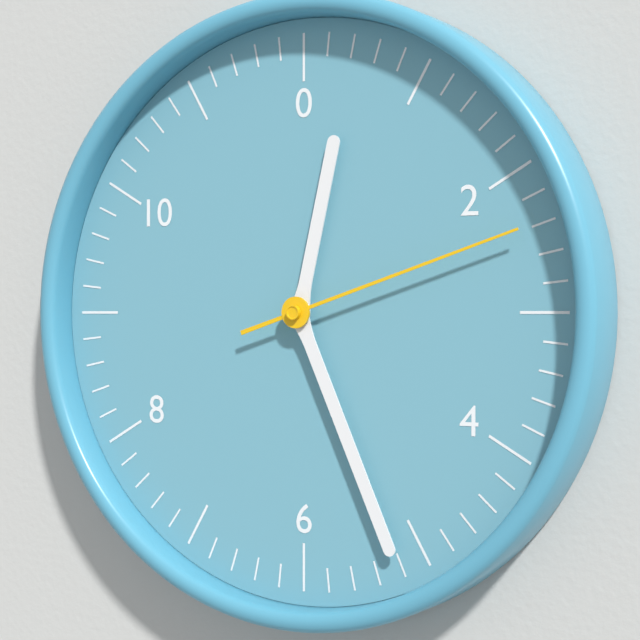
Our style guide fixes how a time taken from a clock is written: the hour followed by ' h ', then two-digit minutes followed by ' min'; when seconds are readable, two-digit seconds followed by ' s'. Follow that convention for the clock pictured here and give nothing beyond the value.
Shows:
12 h 26 min 12 s
